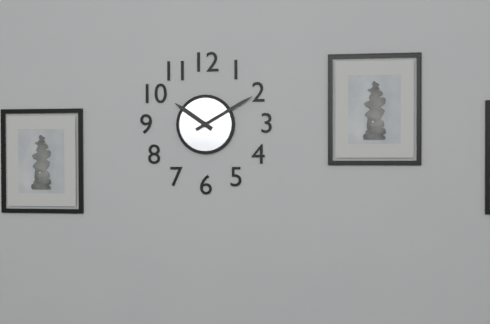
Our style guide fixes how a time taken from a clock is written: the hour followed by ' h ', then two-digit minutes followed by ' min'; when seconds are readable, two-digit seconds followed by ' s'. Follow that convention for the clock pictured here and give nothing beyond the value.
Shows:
10 h 10 min
